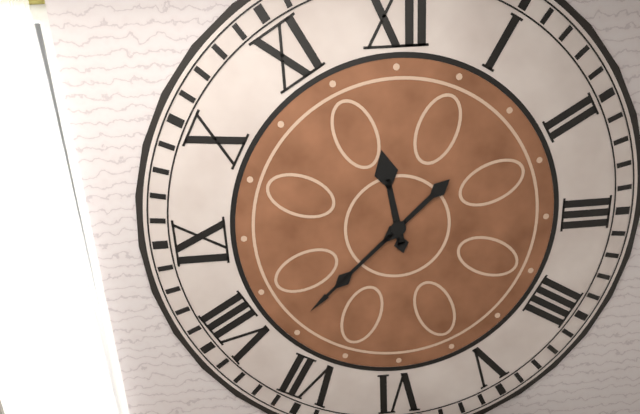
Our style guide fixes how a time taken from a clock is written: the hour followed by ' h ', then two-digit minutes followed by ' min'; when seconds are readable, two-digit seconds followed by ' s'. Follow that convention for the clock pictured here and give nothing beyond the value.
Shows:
11 h 38 min
